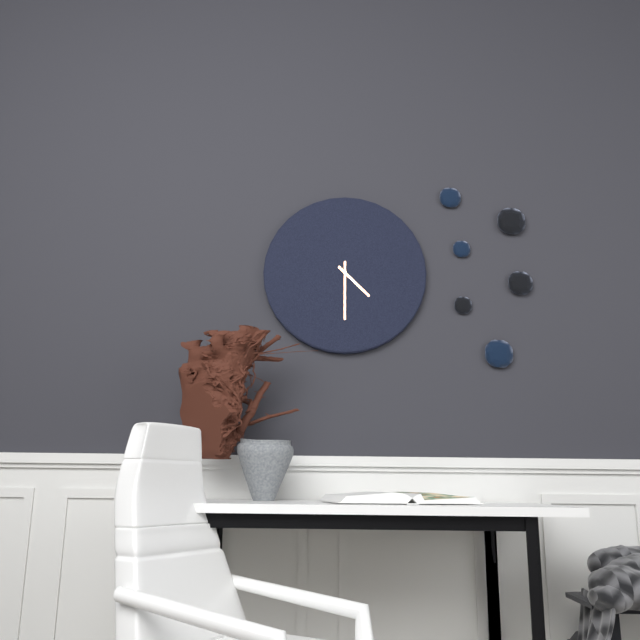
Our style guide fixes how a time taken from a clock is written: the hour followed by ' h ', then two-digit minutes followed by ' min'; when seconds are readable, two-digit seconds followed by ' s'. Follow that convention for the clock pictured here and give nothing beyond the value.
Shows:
4 h 30 min
